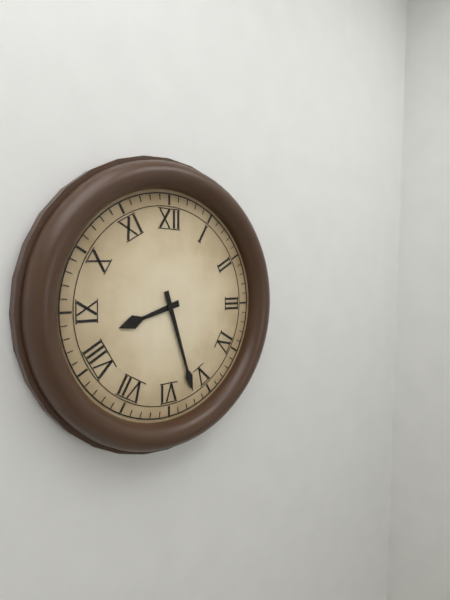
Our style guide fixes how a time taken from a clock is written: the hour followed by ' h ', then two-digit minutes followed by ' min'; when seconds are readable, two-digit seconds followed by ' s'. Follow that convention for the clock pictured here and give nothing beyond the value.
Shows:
8 h 27 min
